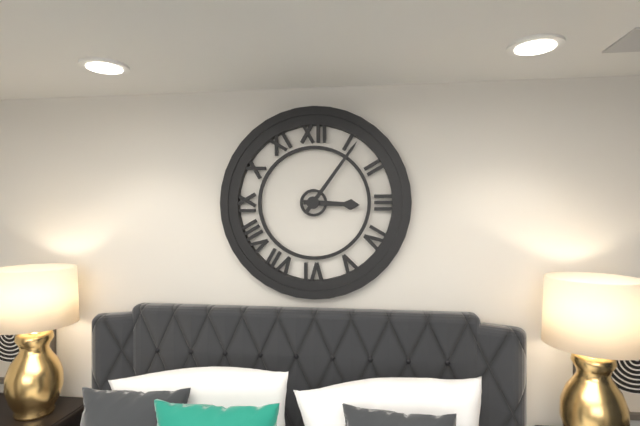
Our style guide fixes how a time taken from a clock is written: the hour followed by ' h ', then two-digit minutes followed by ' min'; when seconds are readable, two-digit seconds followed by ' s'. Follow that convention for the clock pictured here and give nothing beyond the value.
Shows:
3 h 06 min
